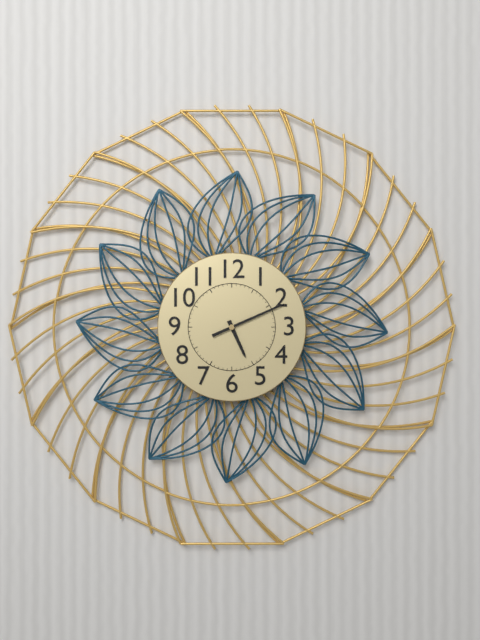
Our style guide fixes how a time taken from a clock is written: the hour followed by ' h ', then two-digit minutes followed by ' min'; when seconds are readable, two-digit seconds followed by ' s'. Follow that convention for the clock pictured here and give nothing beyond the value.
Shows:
5 h 11 min
